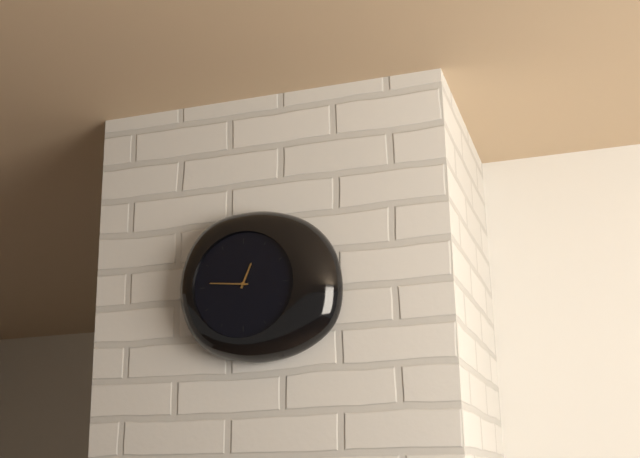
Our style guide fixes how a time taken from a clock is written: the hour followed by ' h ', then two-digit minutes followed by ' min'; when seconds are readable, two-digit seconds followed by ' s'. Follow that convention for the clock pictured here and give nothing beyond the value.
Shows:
12 h 46 min
